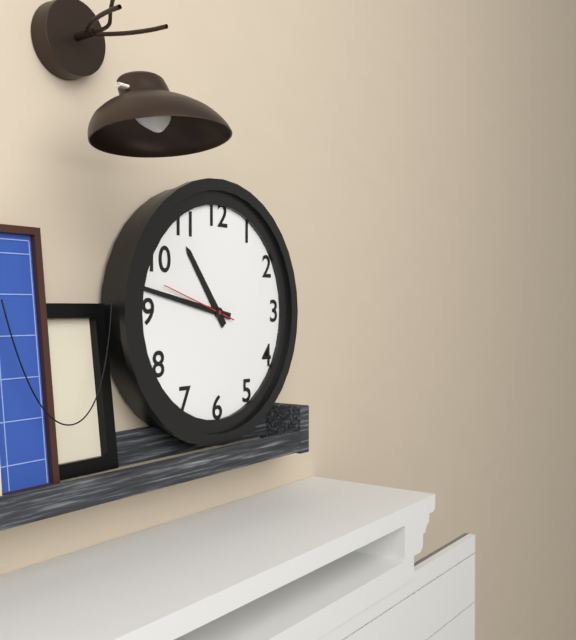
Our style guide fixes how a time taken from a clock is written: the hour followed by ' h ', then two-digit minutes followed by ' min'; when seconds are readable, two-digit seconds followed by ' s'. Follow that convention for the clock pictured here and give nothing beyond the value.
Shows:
10 h 47 min 48 s
